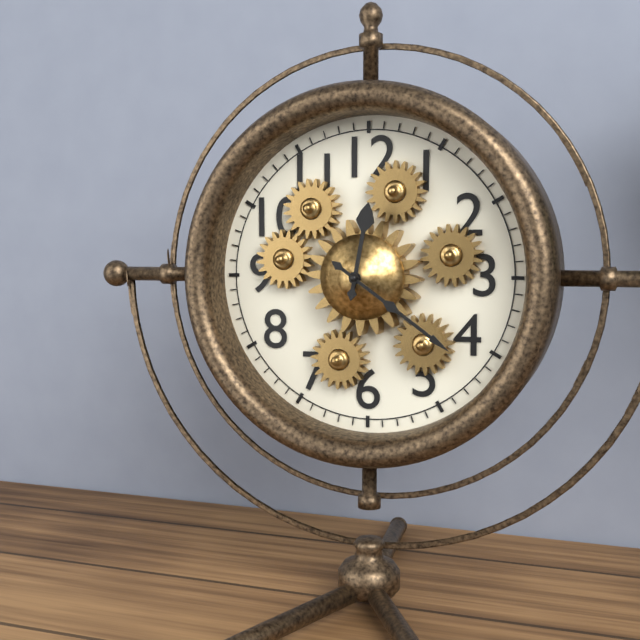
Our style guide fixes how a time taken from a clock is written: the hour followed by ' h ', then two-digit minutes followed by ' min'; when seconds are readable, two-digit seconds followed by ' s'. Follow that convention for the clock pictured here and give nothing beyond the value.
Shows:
12 h 21 min
